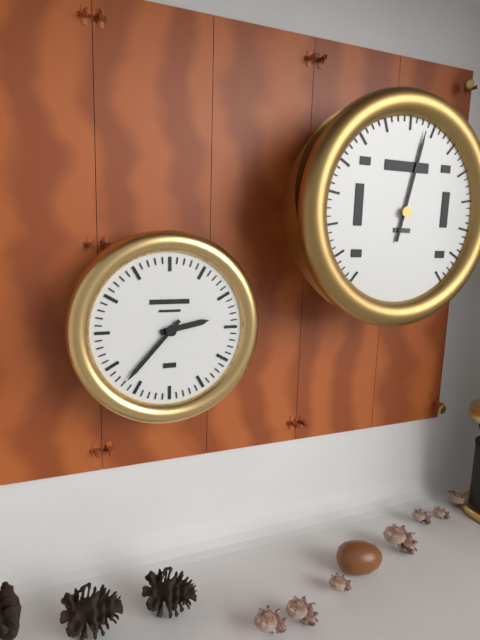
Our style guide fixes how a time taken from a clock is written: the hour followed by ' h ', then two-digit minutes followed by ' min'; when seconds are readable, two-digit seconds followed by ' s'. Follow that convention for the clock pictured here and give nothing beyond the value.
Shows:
2 h 37 min
